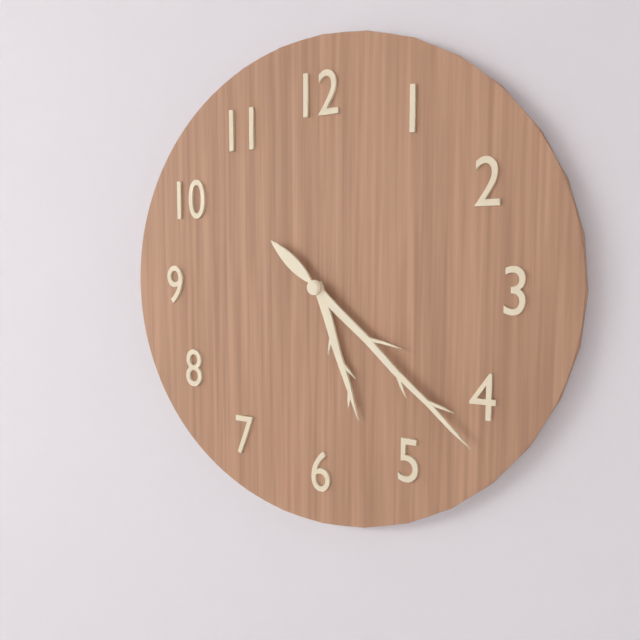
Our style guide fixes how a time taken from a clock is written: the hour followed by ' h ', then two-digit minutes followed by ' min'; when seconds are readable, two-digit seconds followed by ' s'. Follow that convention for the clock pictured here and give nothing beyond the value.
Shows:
5 h 22 min
